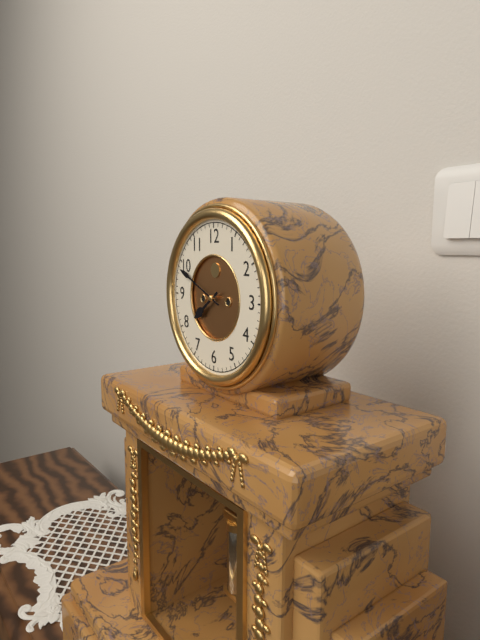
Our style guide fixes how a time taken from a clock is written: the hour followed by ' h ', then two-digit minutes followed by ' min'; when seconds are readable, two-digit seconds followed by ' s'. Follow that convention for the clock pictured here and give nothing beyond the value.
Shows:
7 h 49 min
